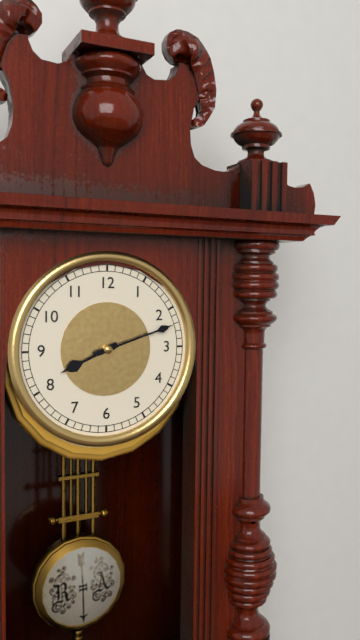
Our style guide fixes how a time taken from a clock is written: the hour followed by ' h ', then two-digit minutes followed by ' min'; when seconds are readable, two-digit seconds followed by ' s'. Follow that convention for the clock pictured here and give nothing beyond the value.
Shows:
8 h 12 min
